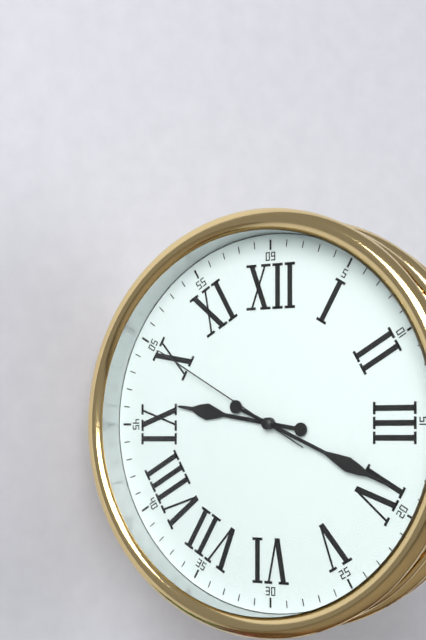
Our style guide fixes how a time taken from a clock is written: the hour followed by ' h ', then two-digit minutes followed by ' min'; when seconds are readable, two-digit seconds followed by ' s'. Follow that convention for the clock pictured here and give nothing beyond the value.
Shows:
9 h 19 min 50 s
